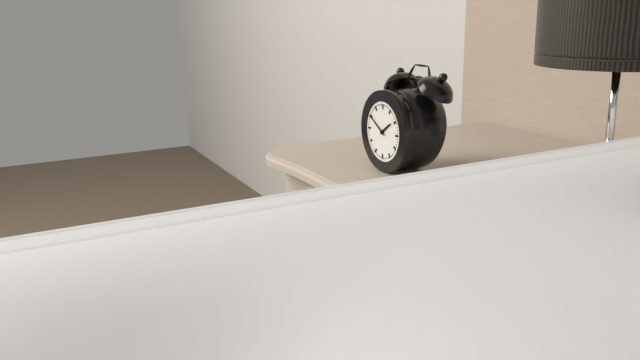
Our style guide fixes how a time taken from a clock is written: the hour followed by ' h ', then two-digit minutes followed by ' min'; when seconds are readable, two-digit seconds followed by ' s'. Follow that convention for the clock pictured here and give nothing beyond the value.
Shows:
1 h 50 min
